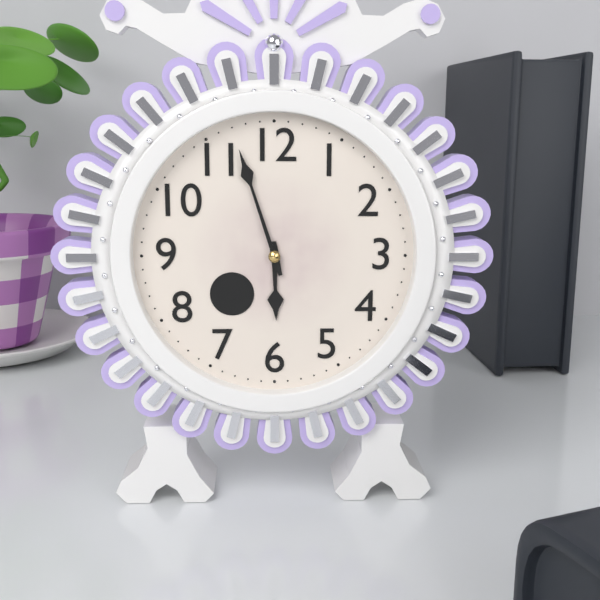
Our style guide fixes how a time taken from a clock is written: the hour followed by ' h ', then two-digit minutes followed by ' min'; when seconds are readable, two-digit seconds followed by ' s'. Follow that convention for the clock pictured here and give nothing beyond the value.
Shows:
5 h 57 min
